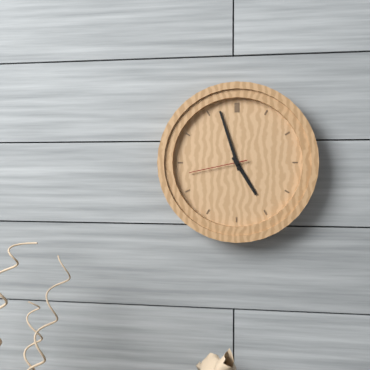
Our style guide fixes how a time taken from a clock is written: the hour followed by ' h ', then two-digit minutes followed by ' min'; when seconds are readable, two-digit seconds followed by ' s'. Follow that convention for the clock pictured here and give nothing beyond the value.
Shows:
4 h 57 min 43 s
